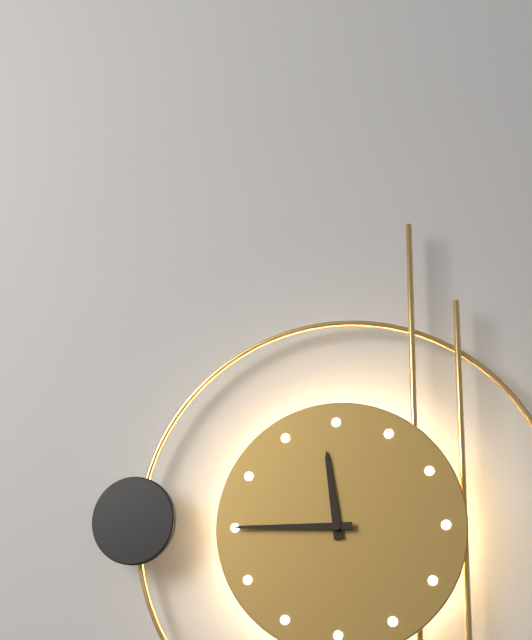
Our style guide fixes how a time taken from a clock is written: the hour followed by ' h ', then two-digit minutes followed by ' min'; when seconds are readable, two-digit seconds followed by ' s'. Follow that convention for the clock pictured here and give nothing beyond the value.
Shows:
11 h 45 min
